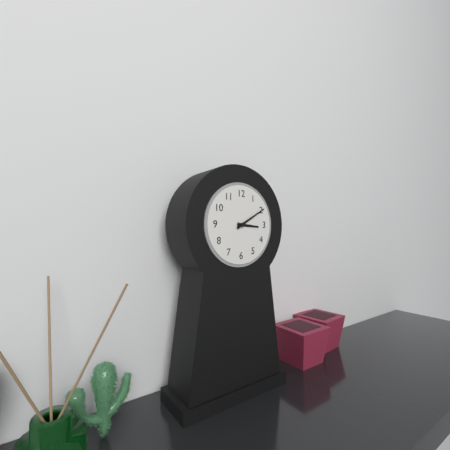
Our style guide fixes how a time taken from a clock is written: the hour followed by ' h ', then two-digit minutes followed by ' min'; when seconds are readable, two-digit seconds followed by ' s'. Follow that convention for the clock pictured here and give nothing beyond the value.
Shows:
3 h 10 min
